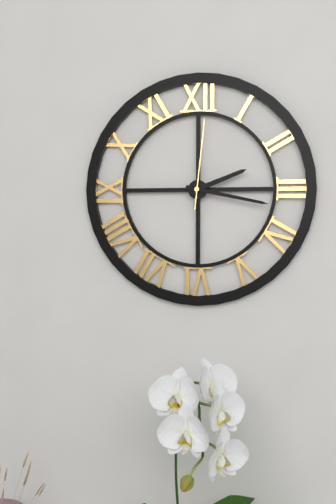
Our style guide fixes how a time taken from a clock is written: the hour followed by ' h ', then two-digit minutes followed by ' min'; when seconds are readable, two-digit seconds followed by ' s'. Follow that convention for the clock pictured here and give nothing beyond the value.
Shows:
2 h 17 min 01 s
